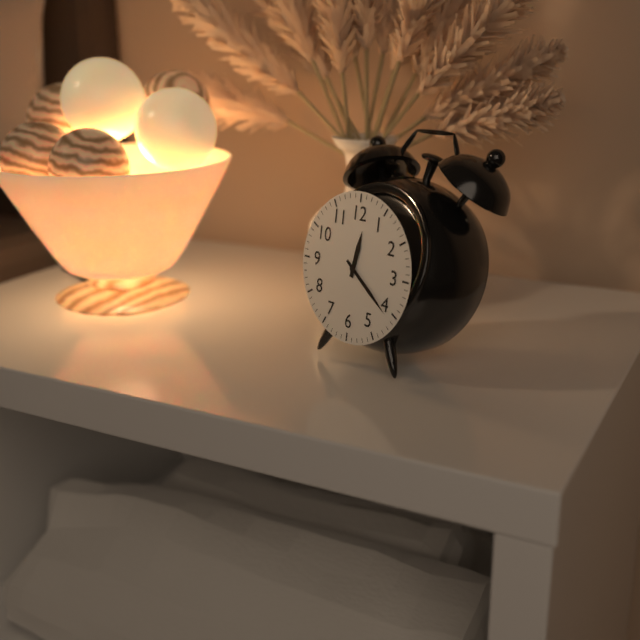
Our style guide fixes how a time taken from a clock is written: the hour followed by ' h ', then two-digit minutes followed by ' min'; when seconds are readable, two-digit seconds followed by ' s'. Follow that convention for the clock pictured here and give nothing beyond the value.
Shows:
12 h 21 min
